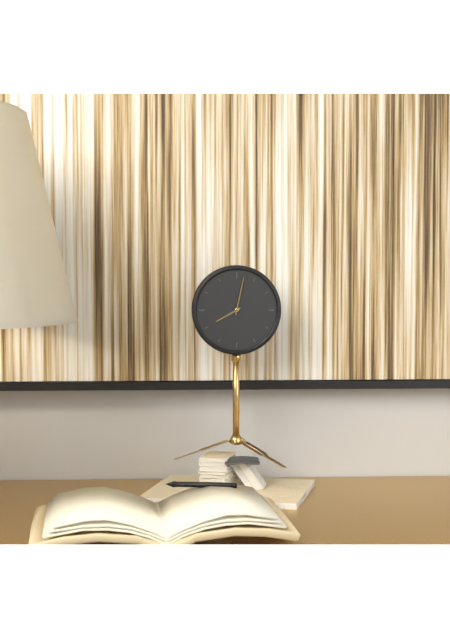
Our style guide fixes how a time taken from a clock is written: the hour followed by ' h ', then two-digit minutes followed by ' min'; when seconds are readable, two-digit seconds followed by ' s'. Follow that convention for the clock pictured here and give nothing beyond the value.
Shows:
8 h 02 min
